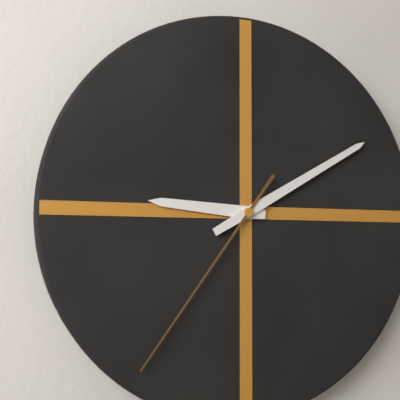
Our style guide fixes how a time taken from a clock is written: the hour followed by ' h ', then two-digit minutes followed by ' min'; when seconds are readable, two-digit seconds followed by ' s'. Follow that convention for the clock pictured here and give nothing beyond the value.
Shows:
9 h 10 min 36 s
